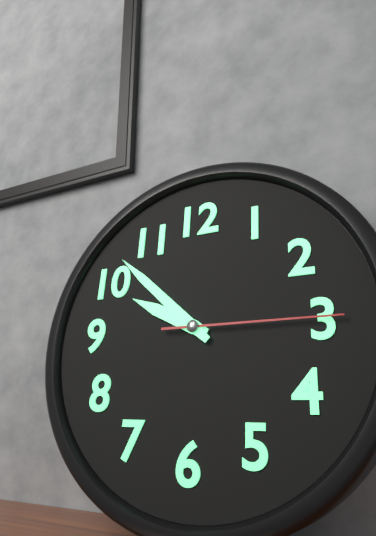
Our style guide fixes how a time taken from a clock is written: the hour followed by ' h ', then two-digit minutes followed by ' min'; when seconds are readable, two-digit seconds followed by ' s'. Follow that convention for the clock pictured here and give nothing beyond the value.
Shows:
9 h 52 min 15 s
